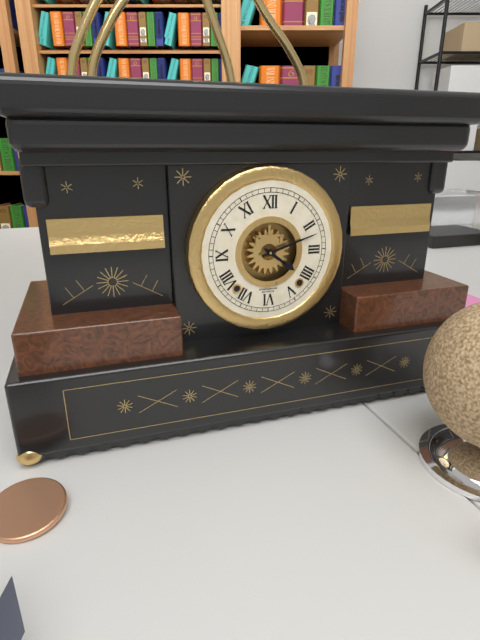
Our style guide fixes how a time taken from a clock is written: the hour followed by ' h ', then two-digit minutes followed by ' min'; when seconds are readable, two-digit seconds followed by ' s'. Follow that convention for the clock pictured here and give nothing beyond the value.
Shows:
4 h 12 min
